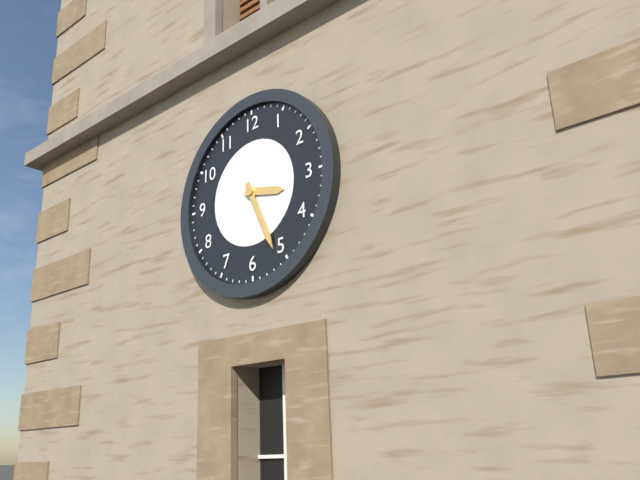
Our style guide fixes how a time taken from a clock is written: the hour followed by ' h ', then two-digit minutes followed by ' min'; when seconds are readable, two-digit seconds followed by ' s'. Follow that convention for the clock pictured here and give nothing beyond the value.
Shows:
3 h 26 min
